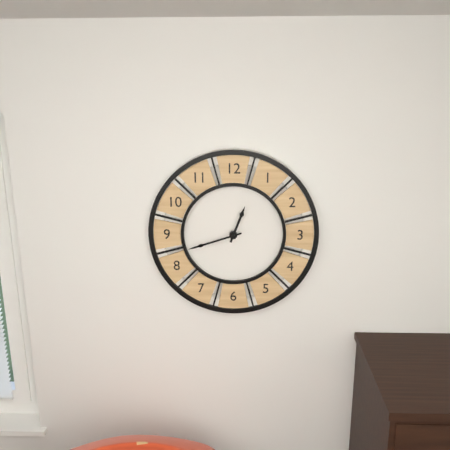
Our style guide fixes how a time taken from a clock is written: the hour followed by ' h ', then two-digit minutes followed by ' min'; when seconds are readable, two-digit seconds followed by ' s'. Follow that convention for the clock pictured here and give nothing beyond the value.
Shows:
12 h 42 min
